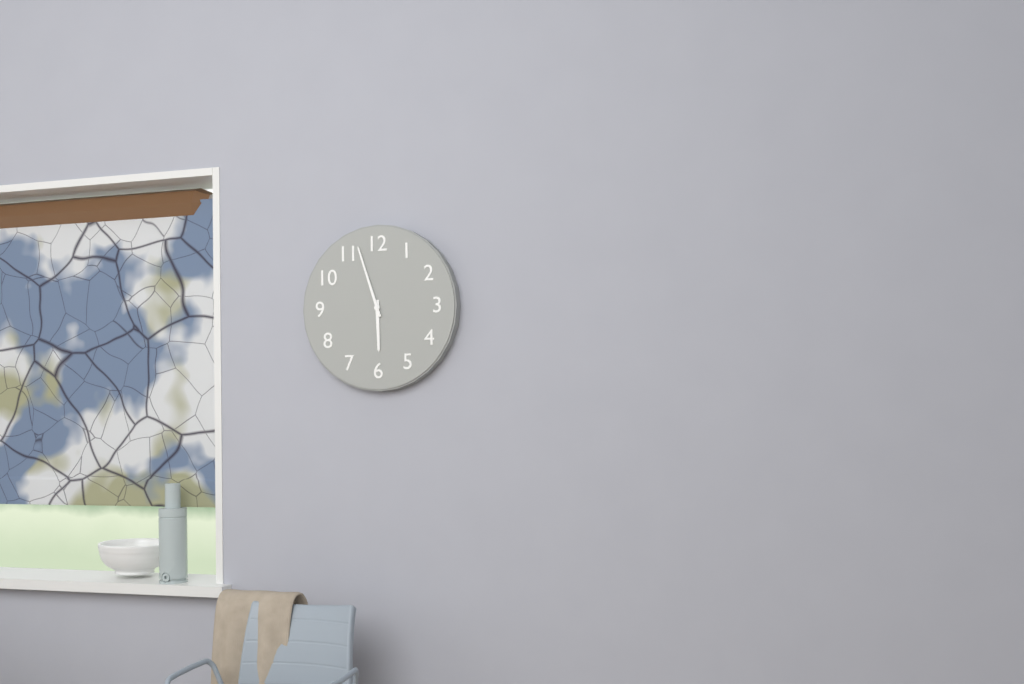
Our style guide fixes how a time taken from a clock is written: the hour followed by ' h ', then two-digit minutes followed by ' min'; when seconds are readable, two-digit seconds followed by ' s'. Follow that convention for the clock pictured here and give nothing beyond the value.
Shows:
5 h 57 min
